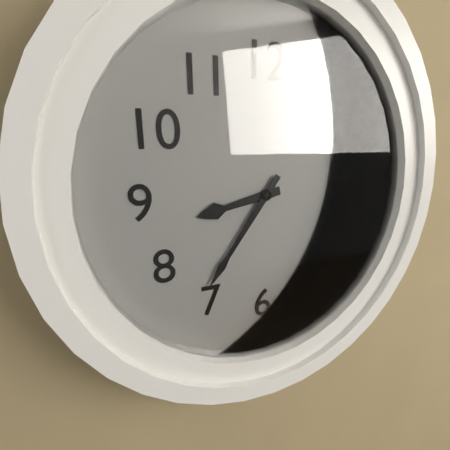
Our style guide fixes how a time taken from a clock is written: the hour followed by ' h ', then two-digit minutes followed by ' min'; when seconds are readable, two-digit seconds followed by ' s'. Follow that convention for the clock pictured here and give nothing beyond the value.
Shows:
8 h 36 min
